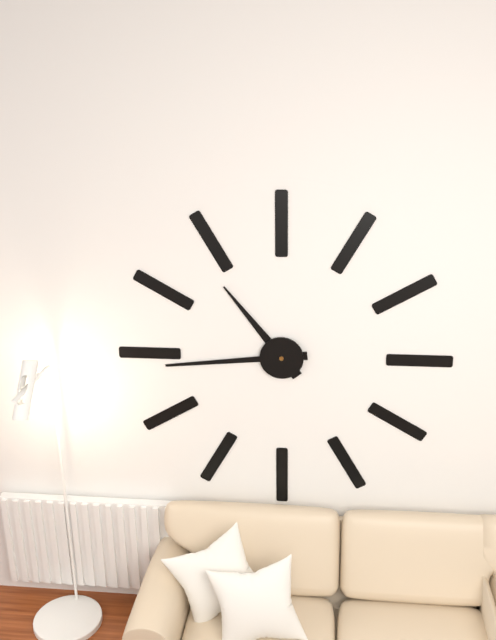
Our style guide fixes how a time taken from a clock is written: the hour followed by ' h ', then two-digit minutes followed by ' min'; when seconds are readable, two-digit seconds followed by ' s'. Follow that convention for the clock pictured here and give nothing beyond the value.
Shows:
10 h 44 min
